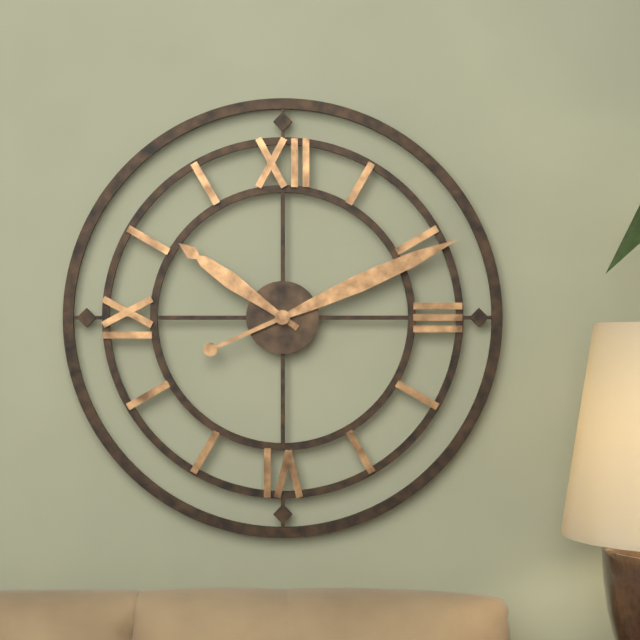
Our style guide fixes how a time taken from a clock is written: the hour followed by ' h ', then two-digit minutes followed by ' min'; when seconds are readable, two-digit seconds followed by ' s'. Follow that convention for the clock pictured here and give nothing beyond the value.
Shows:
10 h 11 min
